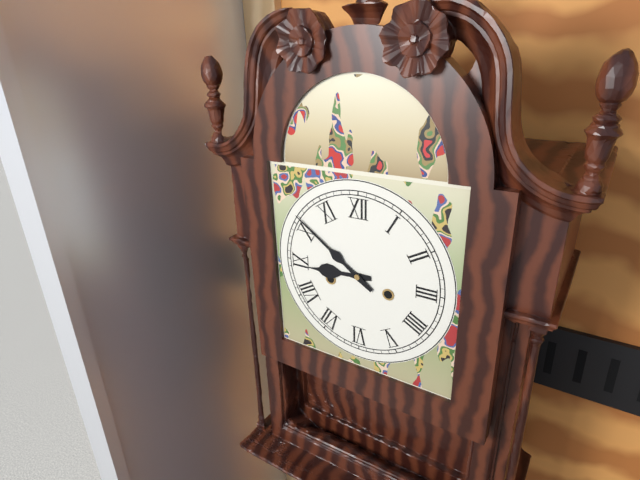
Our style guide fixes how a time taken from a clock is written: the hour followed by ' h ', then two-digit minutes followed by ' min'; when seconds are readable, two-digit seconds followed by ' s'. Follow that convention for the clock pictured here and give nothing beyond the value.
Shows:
8 h 51 min
